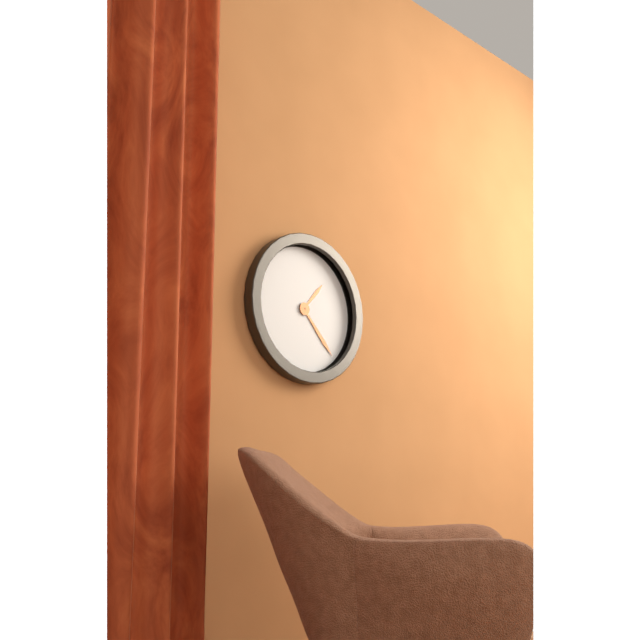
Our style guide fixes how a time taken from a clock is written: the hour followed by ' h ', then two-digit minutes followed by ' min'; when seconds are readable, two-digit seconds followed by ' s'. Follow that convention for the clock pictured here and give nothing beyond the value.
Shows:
1 h 23 min
